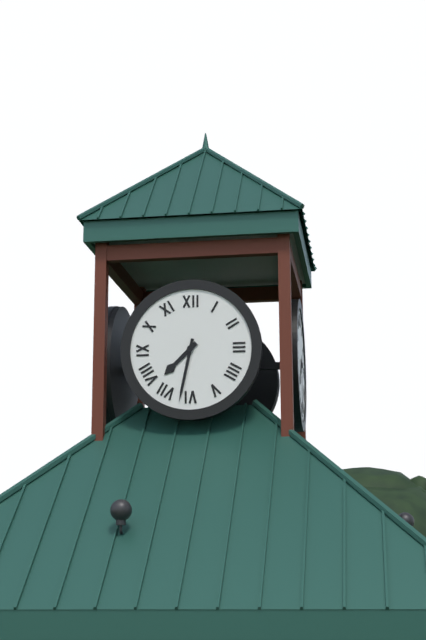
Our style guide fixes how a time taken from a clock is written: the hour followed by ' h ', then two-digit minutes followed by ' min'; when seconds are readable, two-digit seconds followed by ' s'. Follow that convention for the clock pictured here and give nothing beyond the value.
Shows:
7 h 32 min
